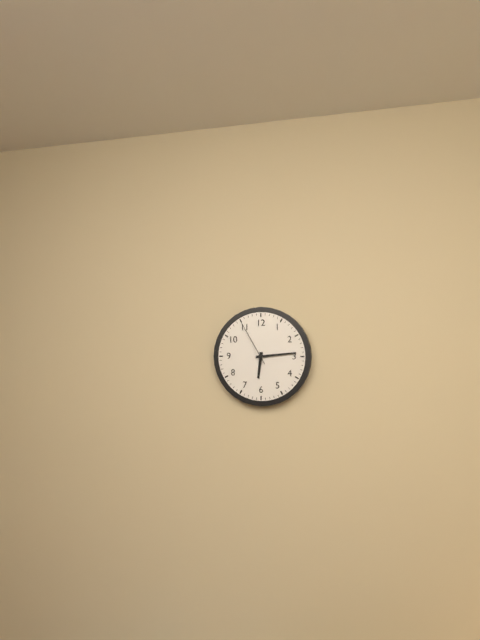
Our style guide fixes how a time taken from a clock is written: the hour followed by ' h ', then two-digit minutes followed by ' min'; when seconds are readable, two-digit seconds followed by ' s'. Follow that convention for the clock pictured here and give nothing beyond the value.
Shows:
6 h 14 min
